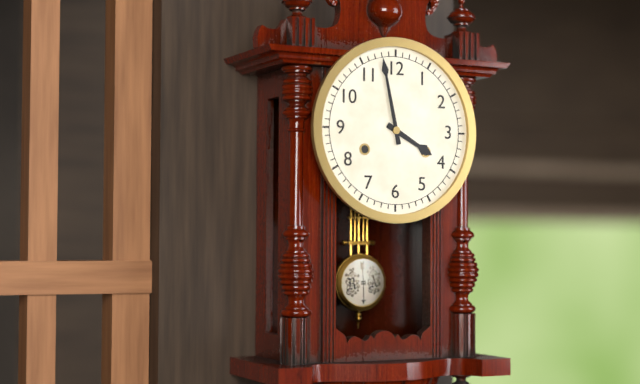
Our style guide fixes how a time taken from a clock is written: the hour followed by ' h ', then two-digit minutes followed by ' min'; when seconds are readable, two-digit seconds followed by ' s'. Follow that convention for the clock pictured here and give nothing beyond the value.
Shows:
3 h 58 min
